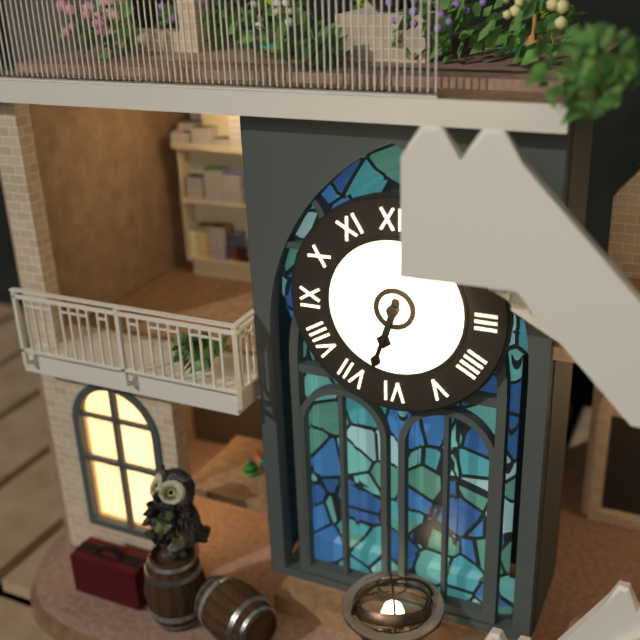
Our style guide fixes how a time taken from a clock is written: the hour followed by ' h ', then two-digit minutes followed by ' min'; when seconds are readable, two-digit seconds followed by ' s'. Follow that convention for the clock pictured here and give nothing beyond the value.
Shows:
6 h 33 min
